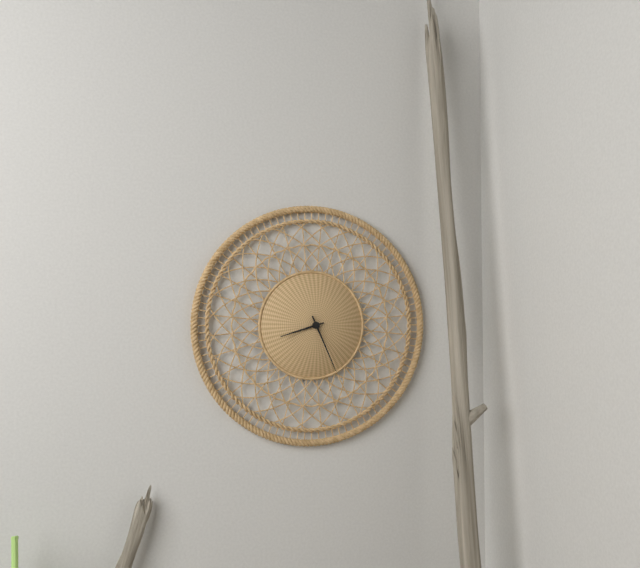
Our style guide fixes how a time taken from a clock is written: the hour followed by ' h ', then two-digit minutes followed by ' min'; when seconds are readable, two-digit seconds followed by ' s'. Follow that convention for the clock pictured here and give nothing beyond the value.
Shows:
8 h 26 min
